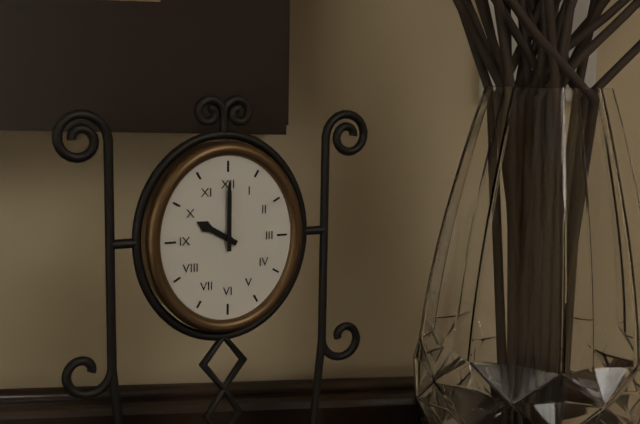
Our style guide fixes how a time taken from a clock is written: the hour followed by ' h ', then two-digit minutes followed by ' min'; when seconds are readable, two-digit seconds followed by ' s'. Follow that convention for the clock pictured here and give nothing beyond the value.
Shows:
10 h 00 min
